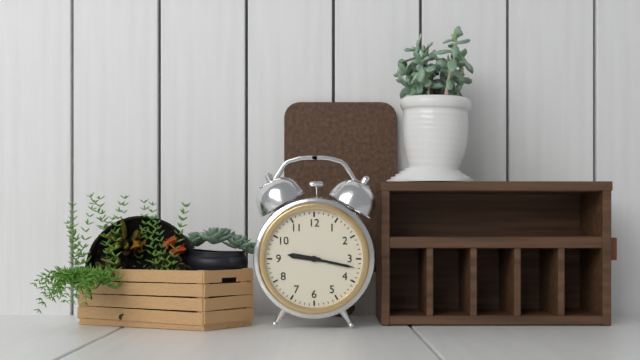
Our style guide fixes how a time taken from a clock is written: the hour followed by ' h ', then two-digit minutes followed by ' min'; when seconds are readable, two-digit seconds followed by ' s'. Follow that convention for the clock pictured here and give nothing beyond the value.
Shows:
9 h 17 min
